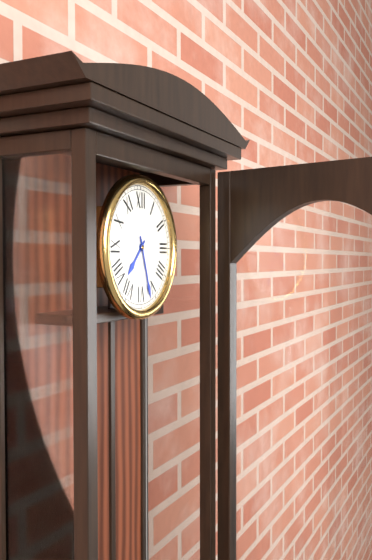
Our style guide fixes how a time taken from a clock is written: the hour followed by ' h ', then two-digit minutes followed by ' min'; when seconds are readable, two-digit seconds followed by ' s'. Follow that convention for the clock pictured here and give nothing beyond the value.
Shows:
7 h 27 min
